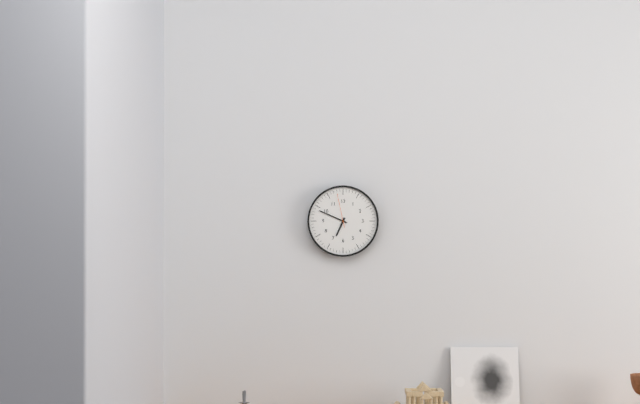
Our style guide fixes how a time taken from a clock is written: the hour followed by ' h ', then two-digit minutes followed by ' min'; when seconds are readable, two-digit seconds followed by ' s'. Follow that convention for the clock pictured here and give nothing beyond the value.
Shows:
6 h 49 min
